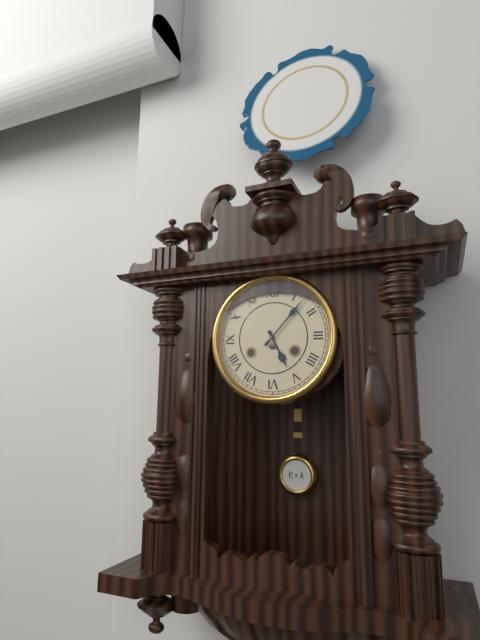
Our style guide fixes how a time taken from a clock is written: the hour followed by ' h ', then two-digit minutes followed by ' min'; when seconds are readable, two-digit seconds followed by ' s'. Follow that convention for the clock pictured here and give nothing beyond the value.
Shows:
5 h 07 min
